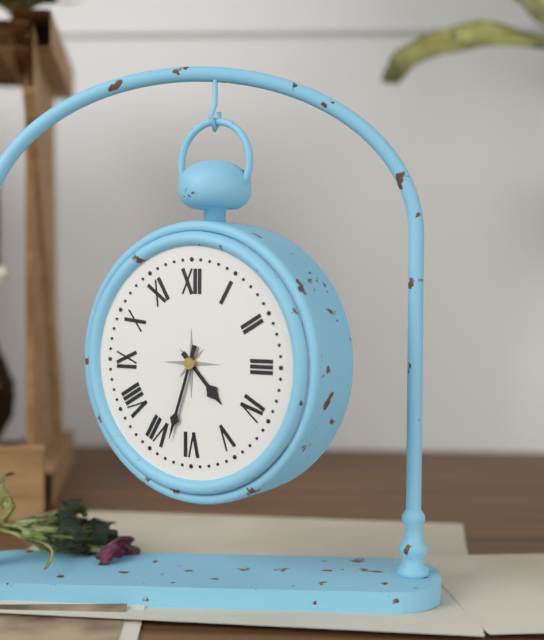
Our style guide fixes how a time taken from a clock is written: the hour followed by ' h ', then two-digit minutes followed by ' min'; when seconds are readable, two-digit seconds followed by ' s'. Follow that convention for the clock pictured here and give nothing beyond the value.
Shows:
4 h 33 min
